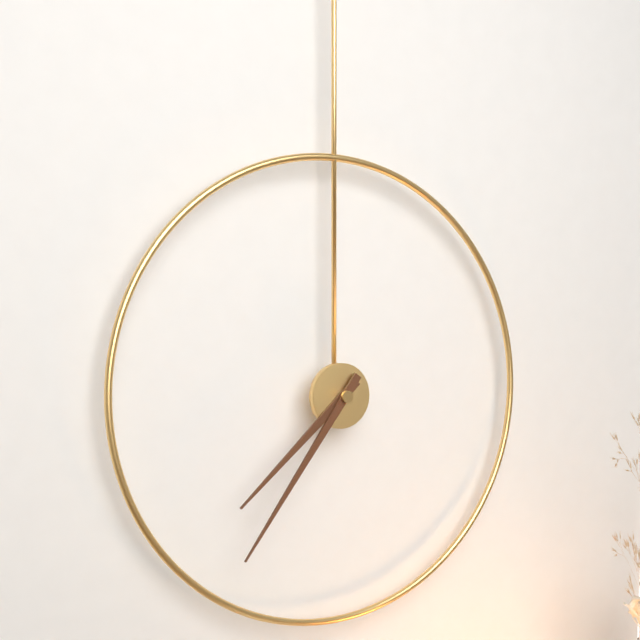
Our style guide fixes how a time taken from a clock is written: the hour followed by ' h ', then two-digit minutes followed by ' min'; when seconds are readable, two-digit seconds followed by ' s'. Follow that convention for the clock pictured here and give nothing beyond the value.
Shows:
7 h 36 min
